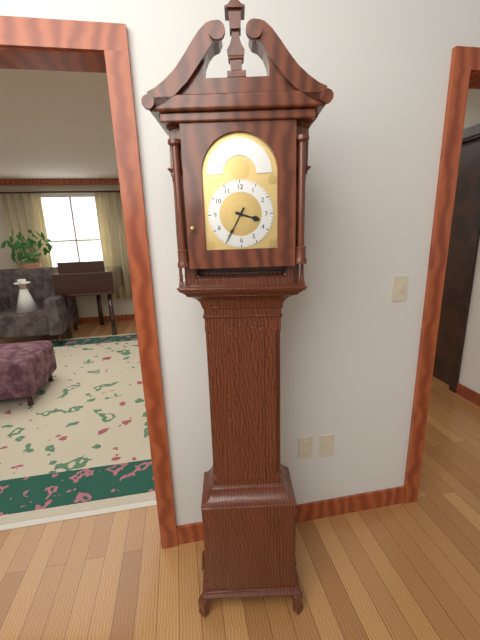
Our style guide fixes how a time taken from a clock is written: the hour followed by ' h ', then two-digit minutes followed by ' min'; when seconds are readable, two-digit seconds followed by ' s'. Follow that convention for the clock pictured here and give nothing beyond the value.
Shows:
3 h 35 min
